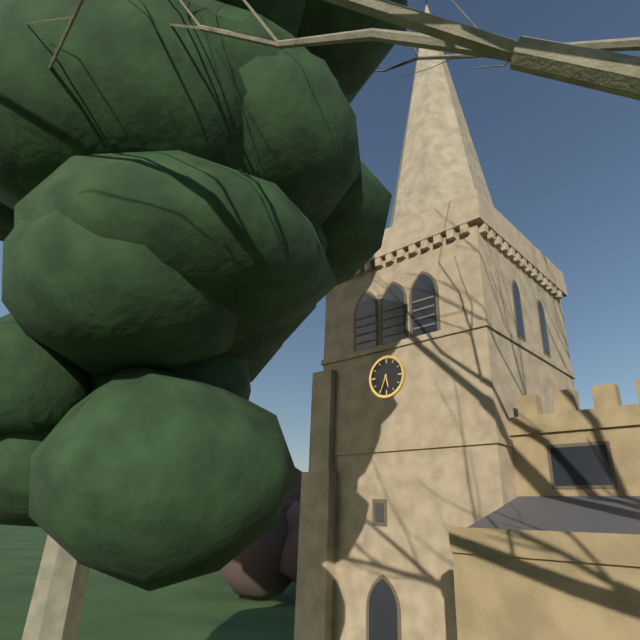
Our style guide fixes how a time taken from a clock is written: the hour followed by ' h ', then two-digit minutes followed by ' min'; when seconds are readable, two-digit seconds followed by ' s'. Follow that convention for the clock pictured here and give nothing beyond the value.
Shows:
5 h 34 min
